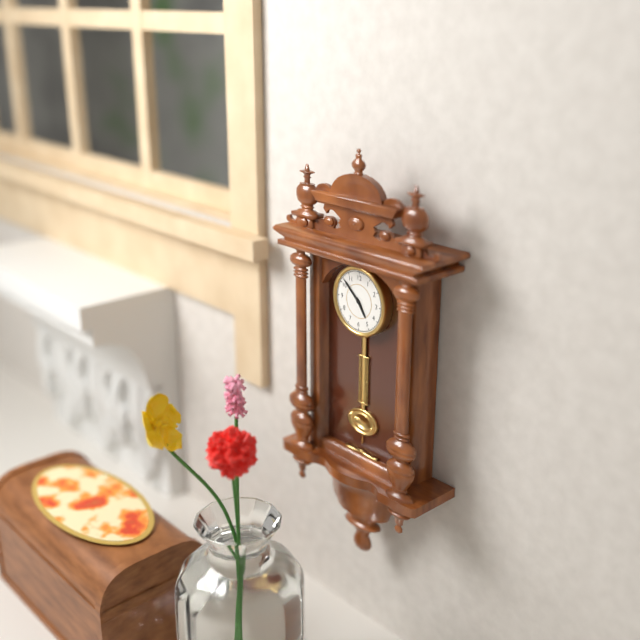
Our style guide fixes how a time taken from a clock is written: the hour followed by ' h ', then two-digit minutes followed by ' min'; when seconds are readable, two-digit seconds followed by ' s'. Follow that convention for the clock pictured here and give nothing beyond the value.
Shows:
4 h 52 min
